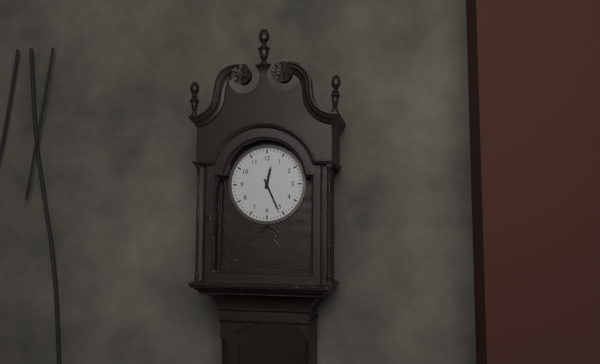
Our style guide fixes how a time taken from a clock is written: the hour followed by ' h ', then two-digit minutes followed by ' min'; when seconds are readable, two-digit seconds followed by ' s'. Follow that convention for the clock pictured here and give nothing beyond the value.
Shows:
12 h 26 min
